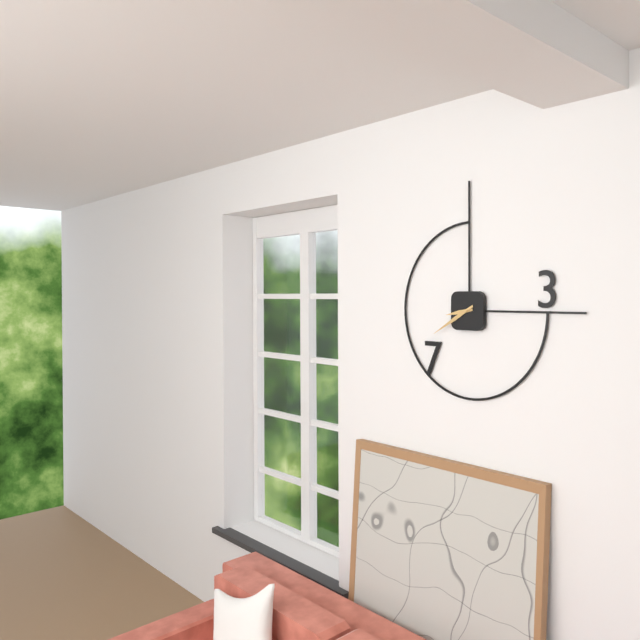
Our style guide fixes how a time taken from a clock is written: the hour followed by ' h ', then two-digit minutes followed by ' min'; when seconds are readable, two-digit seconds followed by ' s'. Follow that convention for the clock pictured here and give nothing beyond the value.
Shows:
8 h 40 min
